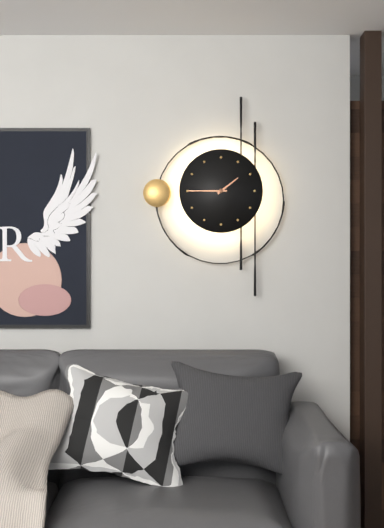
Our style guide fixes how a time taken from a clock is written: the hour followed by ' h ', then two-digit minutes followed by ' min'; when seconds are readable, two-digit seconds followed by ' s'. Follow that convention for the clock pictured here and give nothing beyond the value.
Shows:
1 h 45 min
